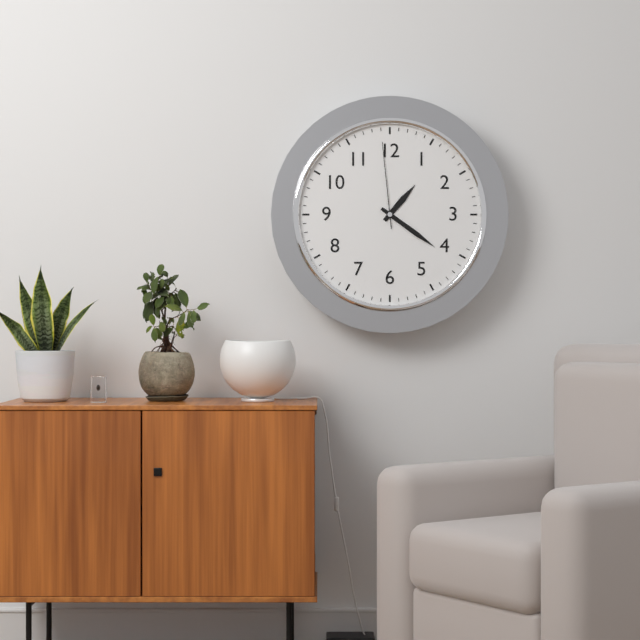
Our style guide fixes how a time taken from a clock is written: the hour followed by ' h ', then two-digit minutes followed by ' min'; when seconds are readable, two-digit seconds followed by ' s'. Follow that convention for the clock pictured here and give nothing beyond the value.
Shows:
1 h 21 min 59 s
